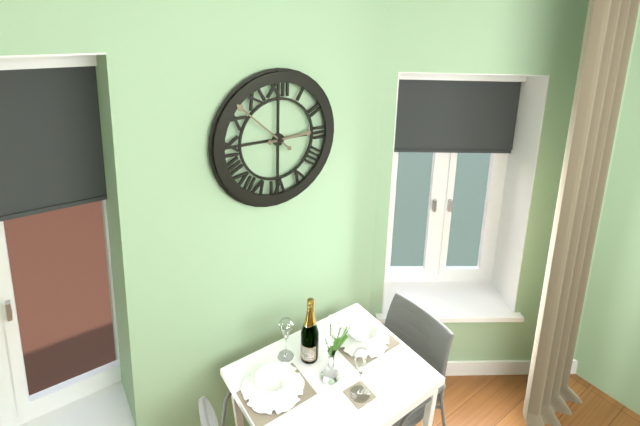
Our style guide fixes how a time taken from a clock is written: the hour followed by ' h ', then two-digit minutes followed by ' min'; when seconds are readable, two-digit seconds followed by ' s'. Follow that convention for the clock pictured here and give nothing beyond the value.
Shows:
2 h 52 min
